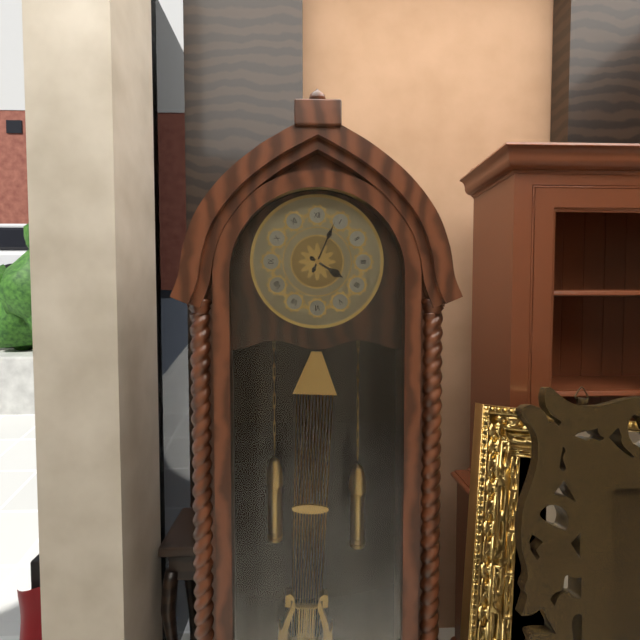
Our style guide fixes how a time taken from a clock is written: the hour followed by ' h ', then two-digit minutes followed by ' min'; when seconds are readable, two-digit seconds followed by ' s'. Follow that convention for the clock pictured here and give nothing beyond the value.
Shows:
4 h 04 min
